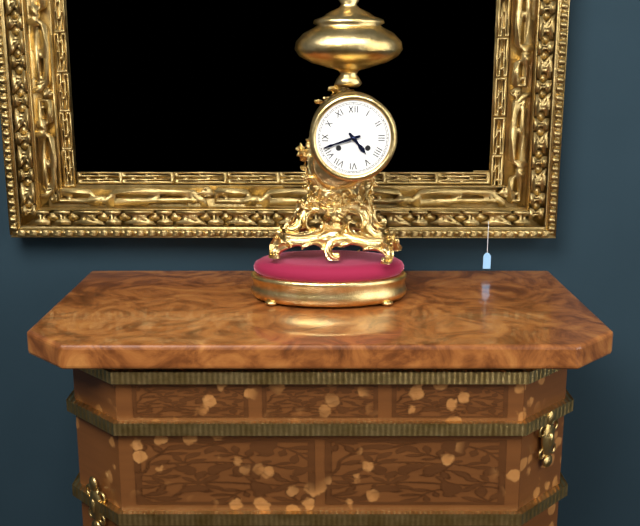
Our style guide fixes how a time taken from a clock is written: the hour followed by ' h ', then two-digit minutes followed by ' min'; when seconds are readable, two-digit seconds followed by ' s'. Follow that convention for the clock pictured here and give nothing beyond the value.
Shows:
4 h 42 min
